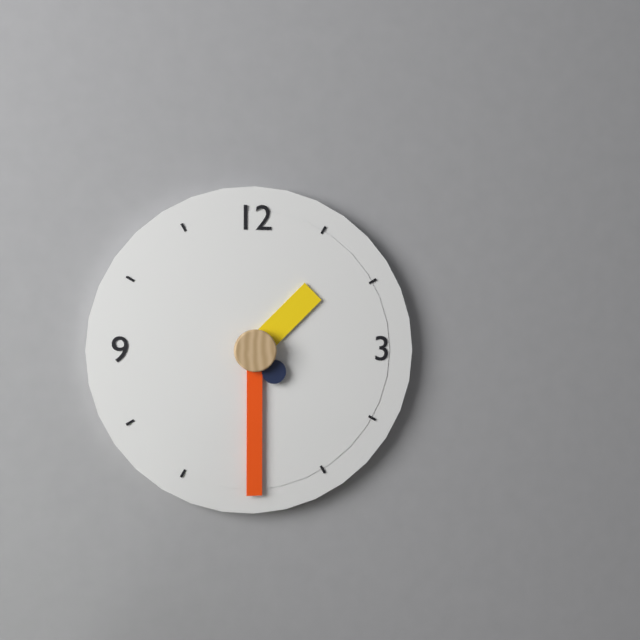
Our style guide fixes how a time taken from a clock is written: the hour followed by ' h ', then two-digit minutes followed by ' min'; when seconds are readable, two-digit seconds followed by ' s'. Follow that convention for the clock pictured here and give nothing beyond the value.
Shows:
1 h 30 min 23 s
